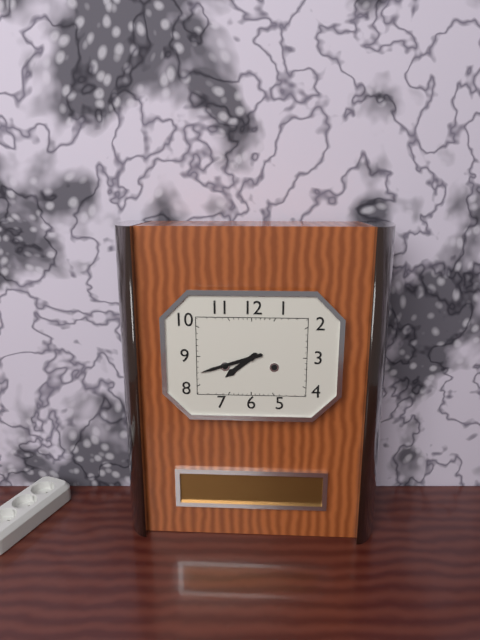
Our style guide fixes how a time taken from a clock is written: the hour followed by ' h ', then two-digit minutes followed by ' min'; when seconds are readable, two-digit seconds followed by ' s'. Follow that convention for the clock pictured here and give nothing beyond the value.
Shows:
7 h 42 min
